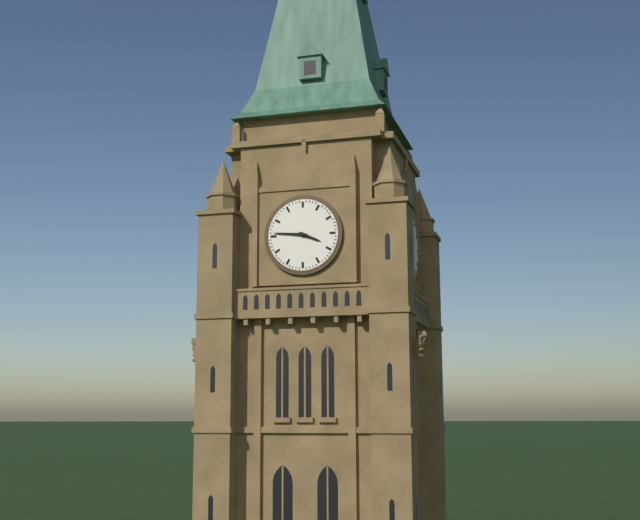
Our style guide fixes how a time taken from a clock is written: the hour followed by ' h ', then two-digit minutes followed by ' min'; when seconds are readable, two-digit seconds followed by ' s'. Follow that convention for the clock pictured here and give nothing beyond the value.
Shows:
3 h 46 min
